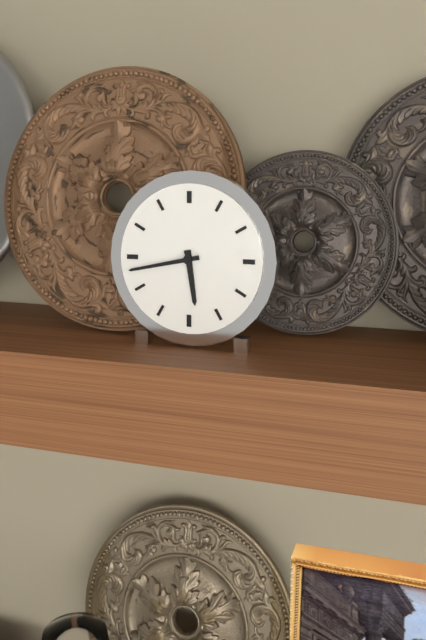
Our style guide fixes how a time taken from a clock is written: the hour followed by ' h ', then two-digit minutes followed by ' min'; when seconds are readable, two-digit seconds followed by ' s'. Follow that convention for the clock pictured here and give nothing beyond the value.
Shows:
5 h 43 min
